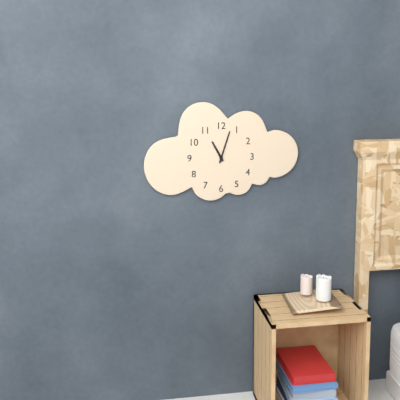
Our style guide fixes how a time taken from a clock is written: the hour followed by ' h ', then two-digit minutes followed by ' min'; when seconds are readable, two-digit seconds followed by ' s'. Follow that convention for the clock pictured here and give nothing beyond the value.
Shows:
11 h 03 min
